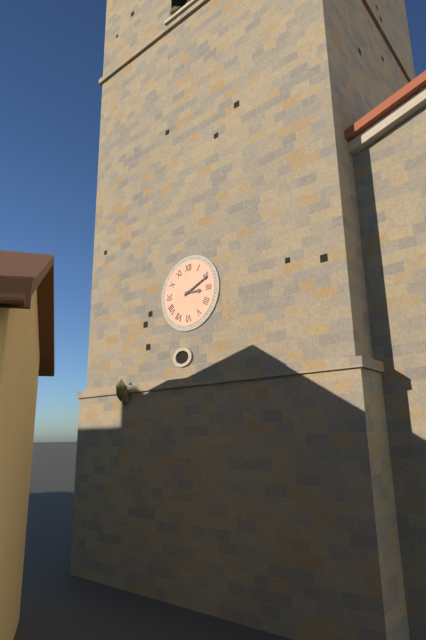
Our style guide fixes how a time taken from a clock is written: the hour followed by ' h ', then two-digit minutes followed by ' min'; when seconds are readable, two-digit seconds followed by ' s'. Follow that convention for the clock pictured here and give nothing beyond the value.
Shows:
3 h 11 min
